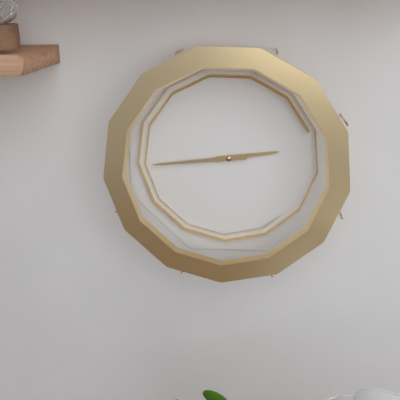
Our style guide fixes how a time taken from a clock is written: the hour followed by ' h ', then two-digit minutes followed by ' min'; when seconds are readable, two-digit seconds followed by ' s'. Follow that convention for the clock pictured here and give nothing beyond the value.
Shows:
2 h 44 min
